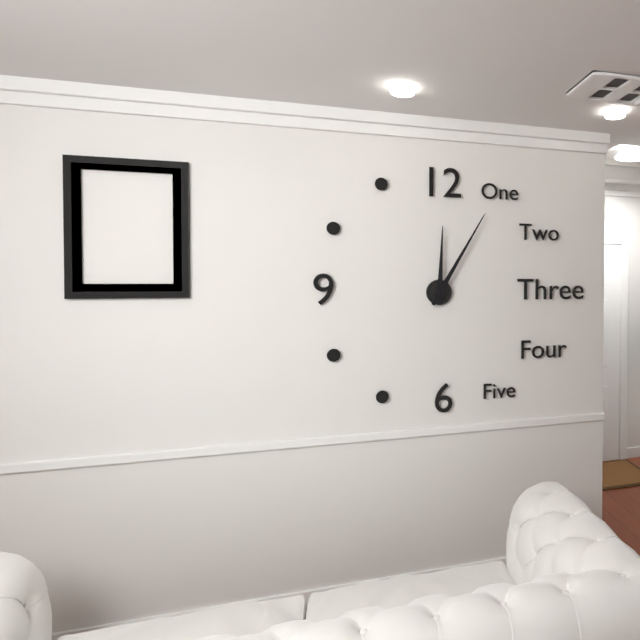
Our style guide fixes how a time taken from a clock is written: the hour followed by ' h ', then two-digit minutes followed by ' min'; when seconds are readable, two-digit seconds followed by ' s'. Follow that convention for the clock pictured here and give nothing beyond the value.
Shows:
12 h 05 min
